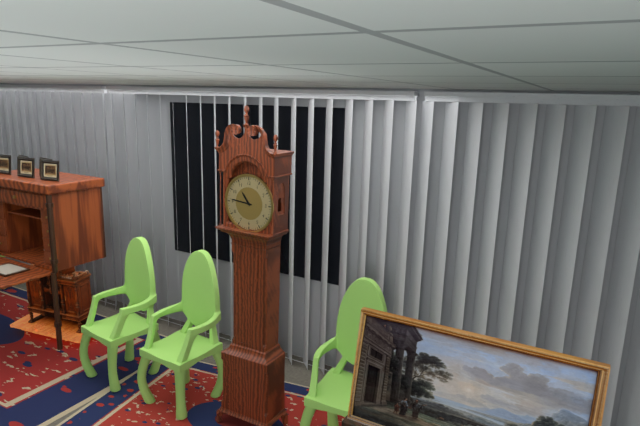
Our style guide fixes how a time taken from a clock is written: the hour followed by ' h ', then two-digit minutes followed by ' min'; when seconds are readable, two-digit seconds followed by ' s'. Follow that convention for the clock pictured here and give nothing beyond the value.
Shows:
10 h 46 min
